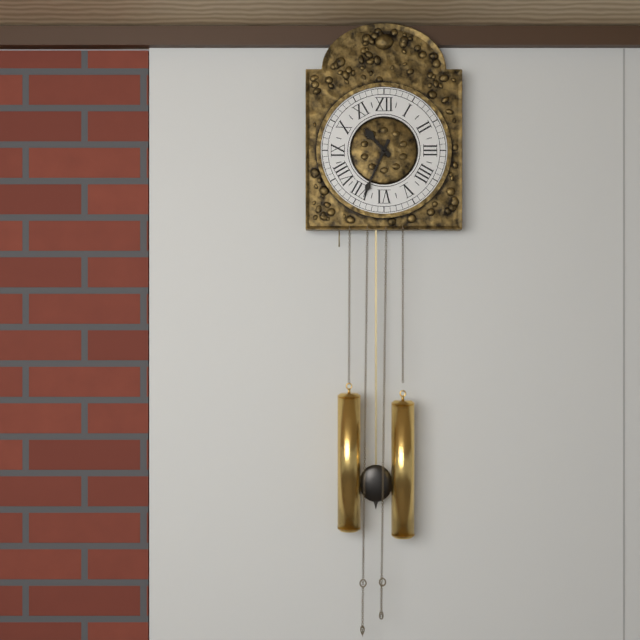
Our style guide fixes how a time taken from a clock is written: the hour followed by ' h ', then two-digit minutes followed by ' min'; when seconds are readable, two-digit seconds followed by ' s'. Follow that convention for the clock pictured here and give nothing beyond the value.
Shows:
10 h 34 min
